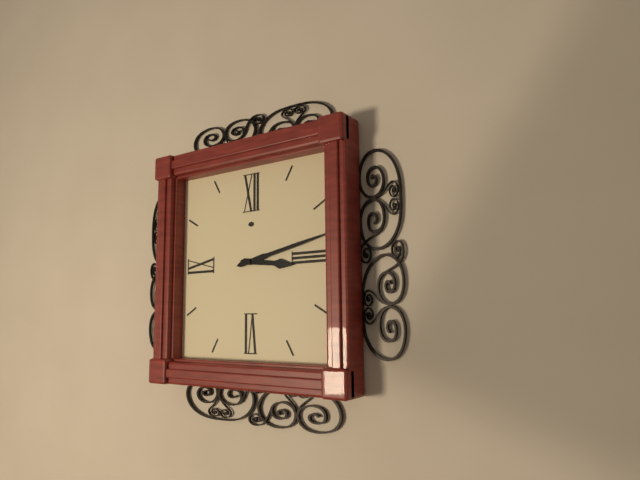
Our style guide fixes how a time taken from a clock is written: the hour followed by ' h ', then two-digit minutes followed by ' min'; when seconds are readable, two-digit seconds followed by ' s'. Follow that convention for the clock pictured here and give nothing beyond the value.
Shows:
3 h 13 min
